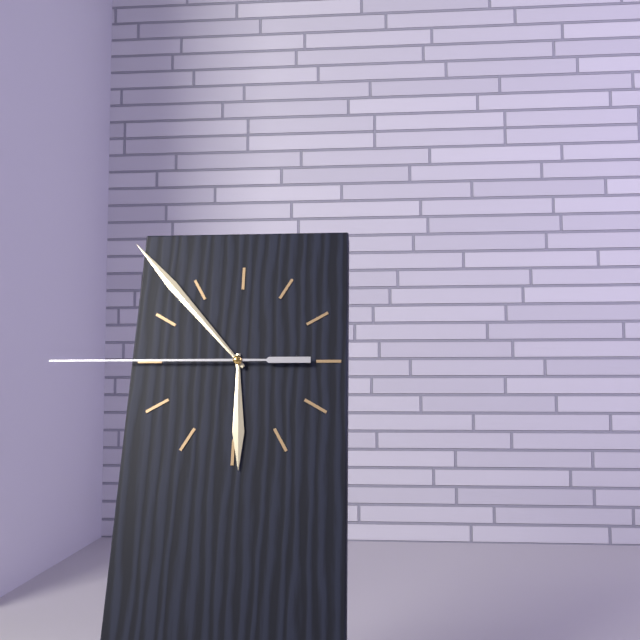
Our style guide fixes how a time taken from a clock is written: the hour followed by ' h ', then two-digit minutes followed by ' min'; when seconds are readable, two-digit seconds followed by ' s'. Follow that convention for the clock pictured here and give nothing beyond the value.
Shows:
5 h 53 min 45 s
